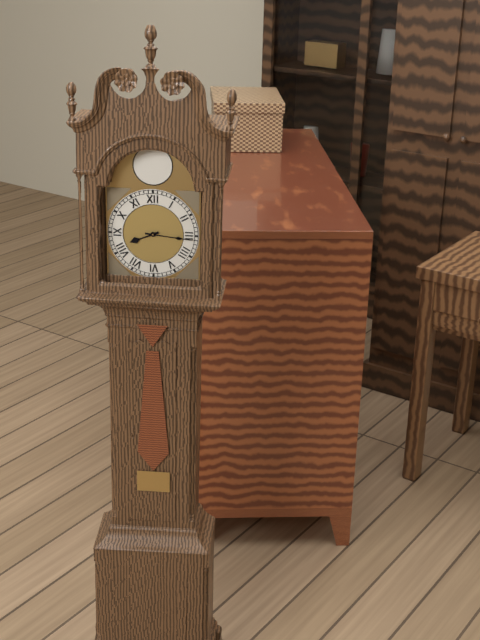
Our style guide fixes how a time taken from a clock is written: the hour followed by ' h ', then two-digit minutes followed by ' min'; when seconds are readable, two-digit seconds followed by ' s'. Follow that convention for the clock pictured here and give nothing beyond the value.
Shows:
8 h 16 min
